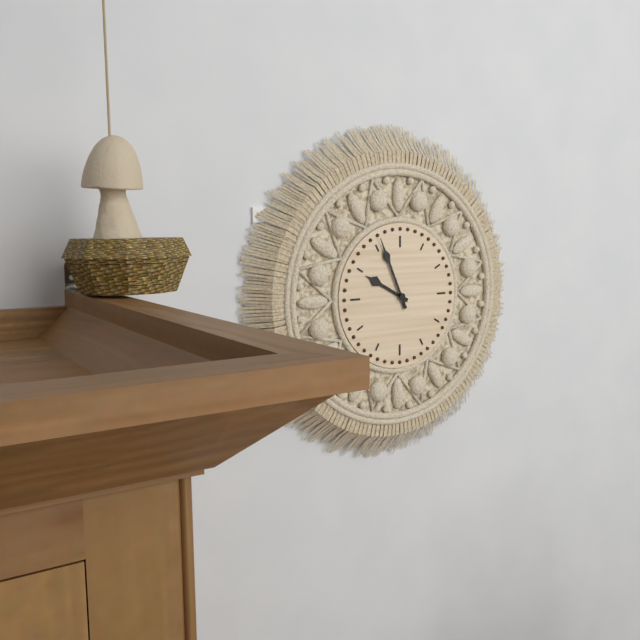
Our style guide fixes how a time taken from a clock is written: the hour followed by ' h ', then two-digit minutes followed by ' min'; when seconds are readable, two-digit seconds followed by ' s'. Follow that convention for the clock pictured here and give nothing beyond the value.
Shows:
9 h 56 min
